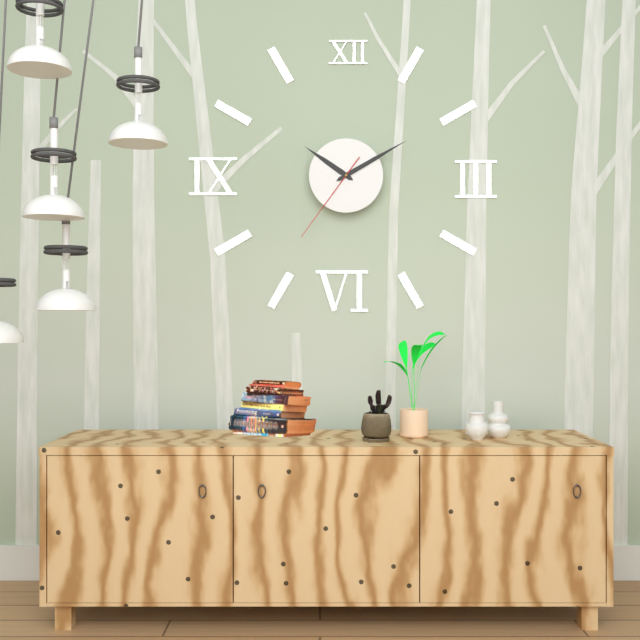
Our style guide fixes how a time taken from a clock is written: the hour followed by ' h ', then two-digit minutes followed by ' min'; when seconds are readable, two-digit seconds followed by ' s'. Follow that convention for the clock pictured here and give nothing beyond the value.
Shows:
10 h 10 min 36 s
